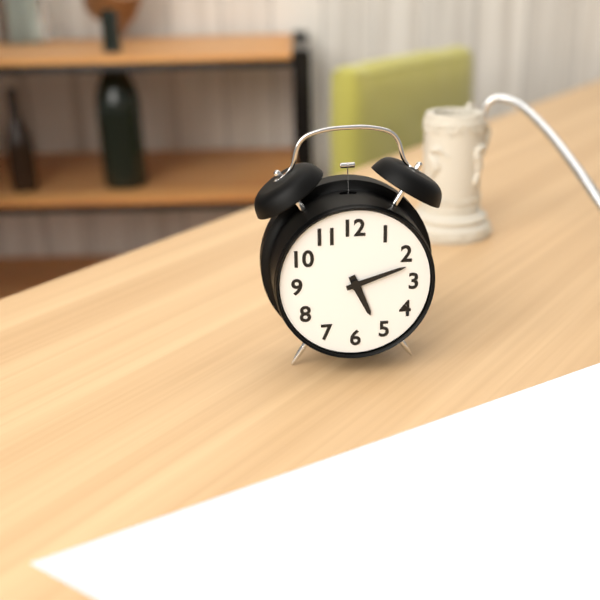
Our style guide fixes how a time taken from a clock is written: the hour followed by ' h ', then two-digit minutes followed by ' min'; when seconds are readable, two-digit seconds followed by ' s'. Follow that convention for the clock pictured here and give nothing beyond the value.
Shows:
5 h 12 min
